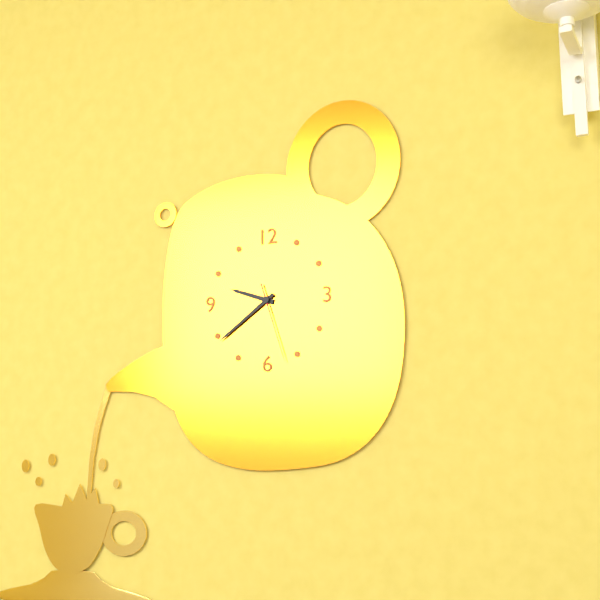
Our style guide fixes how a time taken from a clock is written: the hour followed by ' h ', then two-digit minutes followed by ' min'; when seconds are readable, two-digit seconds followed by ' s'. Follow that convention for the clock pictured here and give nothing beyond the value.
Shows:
9 h 39 min 27 s
